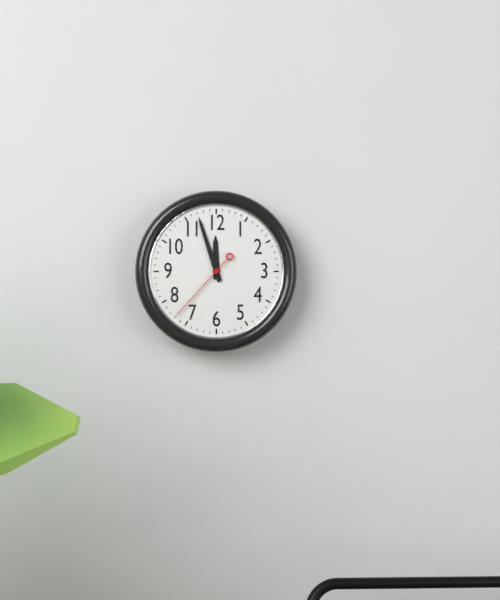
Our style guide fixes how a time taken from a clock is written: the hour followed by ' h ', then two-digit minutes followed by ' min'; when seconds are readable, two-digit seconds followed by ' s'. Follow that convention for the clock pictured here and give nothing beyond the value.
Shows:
11 h 57 min 37 s
